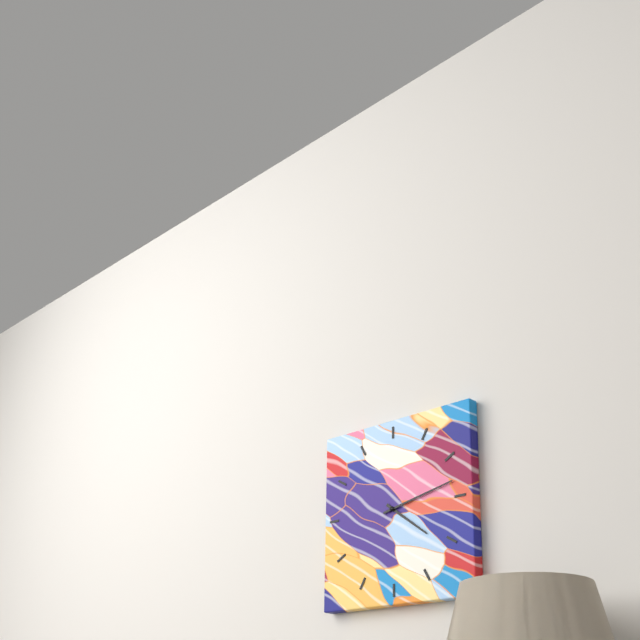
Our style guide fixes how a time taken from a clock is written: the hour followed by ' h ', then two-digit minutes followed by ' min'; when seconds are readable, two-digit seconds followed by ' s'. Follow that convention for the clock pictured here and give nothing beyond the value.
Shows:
4 h 13 min
